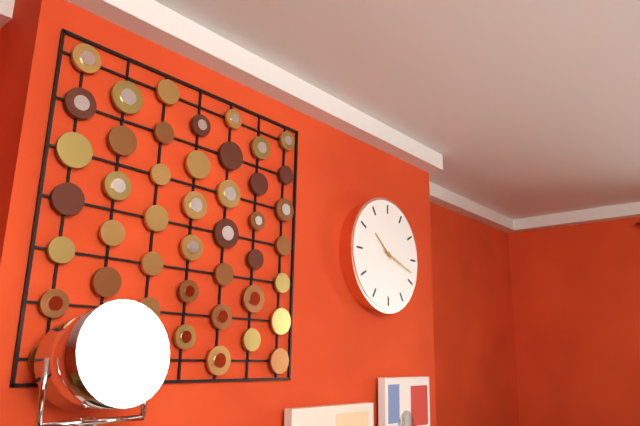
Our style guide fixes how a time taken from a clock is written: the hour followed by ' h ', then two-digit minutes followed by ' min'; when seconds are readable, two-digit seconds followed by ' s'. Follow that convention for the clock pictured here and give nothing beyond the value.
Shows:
10 h 18 min
